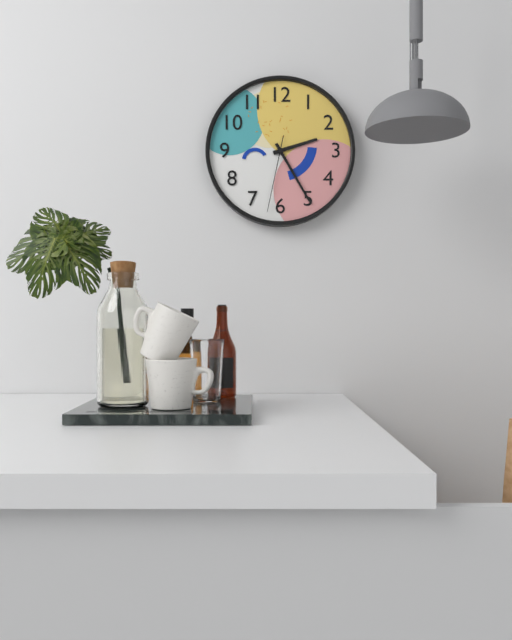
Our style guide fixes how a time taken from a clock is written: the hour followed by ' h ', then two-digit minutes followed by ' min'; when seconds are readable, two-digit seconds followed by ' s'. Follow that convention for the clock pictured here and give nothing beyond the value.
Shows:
2 h 25 min 32 s
